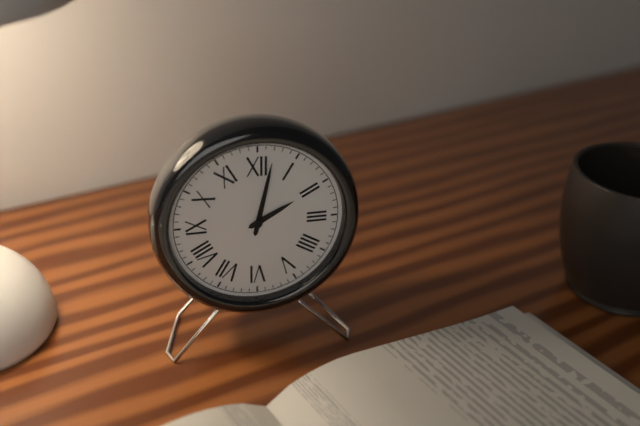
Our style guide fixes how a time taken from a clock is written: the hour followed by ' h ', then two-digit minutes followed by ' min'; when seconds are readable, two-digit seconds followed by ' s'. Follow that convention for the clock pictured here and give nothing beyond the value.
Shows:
2 h 02 min
